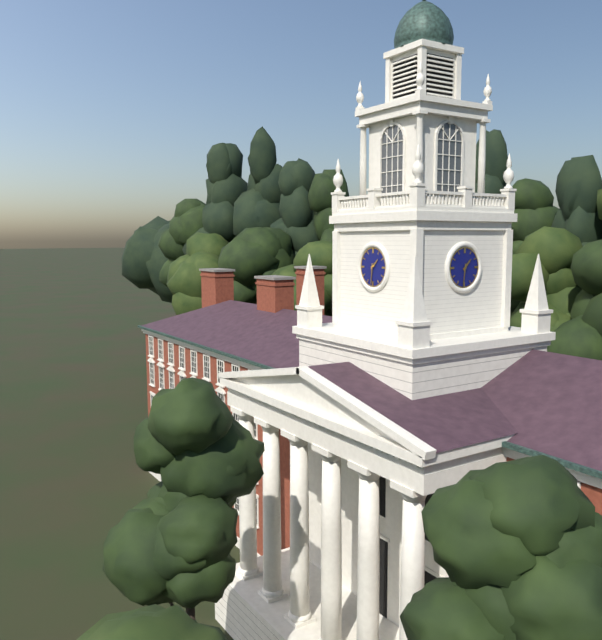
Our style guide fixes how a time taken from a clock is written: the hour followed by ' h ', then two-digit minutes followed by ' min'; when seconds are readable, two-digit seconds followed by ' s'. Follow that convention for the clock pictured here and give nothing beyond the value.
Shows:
1 h 31 min
